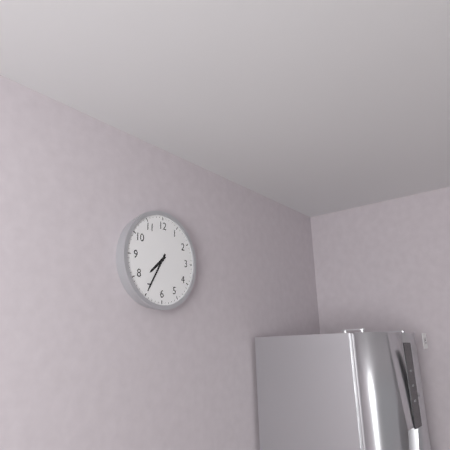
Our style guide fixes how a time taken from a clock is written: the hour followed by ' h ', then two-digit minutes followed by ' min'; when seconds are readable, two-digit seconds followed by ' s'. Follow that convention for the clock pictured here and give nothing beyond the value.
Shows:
7 h 35 min
